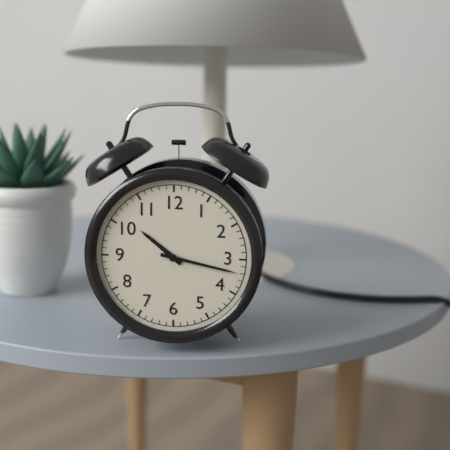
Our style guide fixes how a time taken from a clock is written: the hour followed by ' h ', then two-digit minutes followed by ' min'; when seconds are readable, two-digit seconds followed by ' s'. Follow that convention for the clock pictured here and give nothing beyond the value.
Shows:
10 h 17 min
